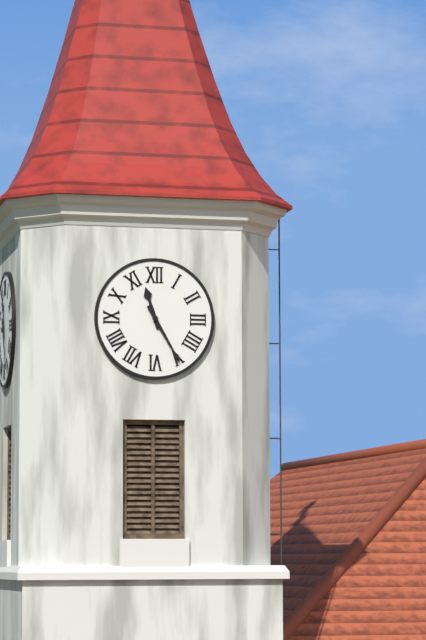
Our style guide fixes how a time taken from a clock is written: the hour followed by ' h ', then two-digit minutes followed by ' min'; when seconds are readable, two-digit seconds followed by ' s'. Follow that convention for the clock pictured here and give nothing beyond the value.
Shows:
11 h 25 min
